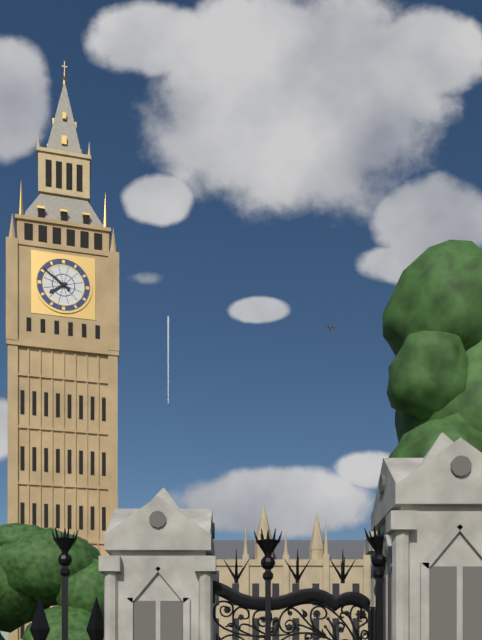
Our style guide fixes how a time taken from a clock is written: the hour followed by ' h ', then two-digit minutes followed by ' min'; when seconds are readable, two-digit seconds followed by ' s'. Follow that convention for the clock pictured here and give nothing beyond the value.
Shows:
7 h 51 min
